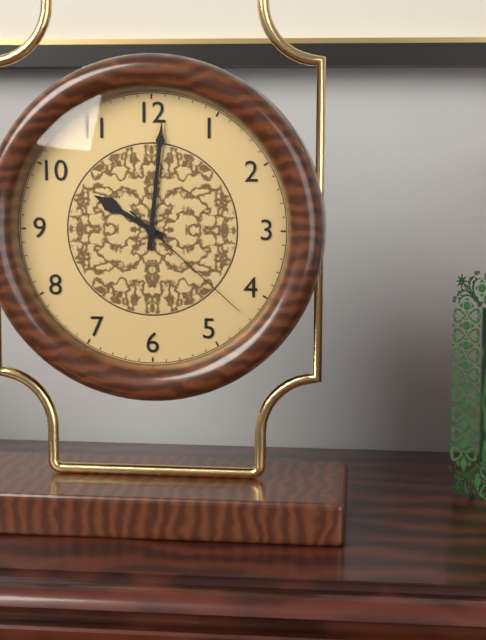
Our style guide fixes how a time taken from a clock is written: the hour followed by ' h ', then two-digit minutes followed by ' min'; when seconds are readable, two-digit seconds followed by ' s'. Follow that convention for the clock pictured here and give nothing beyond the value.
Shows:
10 h 01 min 22 s
